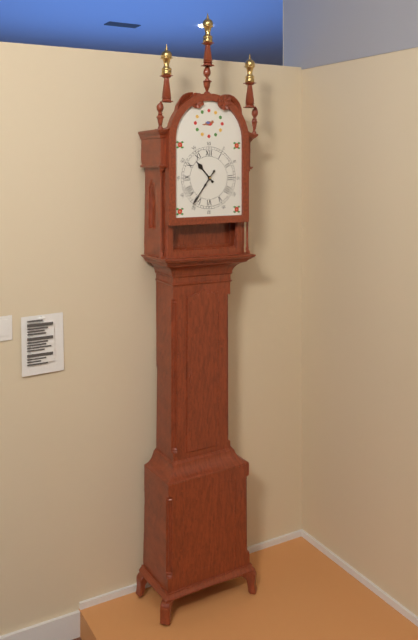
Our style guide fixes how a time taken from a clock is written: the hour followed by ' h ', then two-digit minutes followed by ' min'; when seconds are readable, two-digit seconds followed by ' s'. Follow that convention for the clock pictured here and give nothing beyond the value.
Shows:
10 h 36 min
